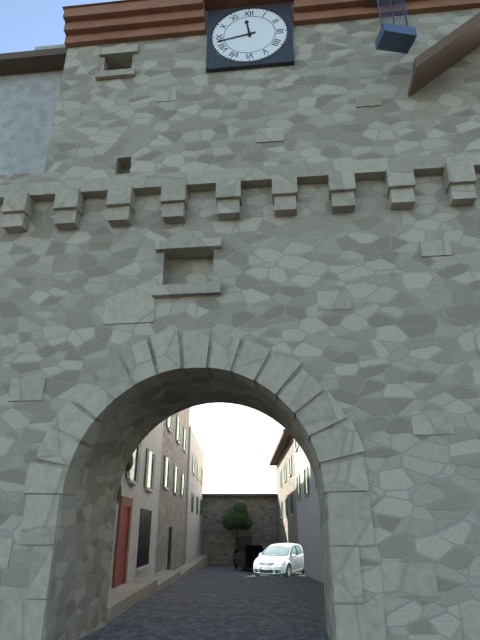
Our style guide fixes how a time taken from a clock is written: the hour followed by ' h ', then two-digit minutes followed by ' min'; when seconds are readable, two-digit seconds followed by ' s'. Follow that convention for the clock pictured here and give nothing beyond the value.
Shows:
11 h 43 min
